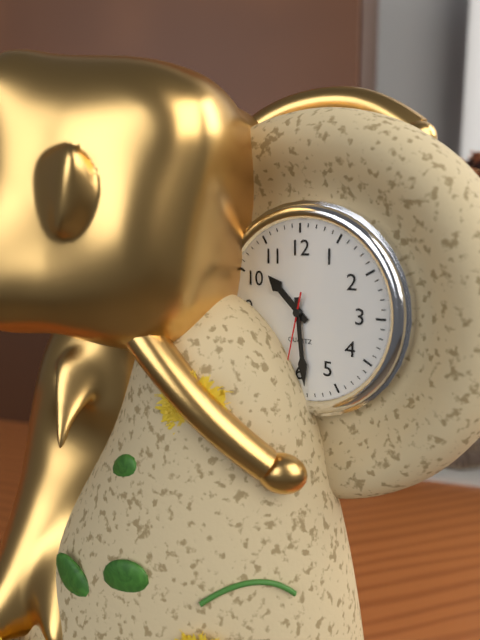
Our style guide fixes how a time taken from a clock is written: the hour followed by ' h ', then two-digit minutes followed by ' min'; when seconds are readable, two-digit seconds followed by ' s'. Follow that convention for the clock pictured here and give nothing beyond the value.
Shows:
10 h 29 min
